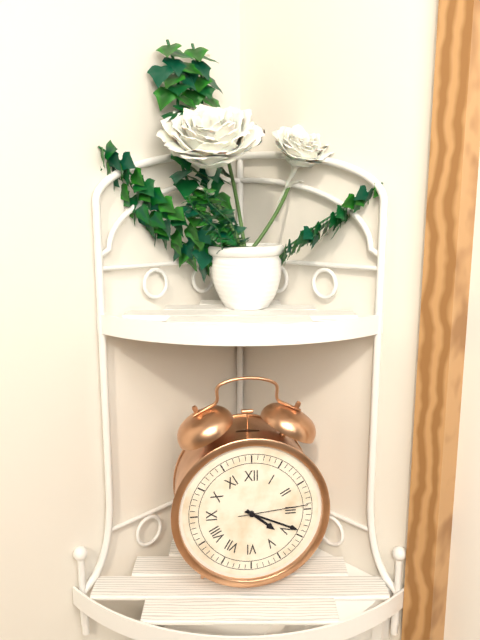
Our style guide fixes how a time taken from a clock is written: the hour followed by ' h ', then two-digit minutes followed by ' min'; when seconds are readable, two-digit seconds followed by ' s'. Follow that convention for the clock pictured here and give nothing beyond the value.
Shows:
4 h 19 min 14 s
